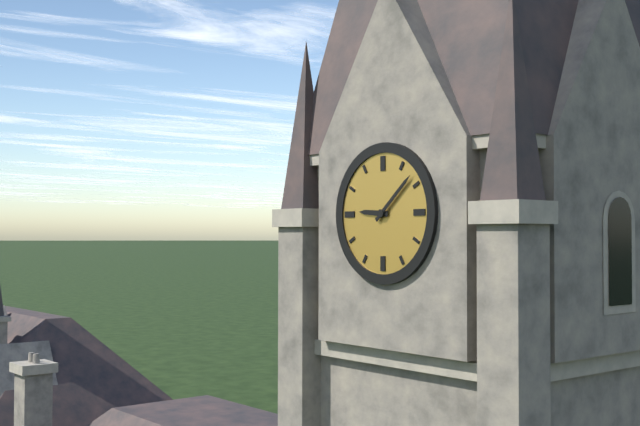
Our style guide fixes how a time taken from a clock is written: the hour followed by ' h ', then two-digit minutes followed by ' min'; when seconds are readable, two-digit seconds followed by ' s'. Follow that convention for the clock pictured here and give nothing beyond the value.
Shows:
9 h 08 min
